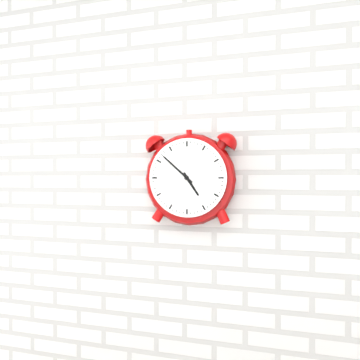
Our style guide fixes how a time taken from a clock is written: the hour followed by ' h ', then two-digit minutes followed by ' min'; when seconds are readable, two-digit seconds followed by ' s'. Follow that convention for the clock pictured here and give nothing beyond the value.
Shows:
4 h 52 min
